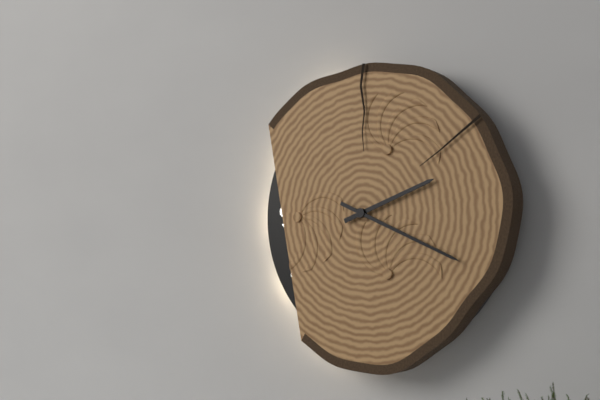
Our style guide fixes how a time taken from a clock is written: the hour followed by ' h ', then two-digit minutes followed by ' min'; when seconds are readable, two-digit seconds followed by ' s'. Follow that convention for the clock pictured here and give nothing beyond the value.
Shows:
2 h 19 min
